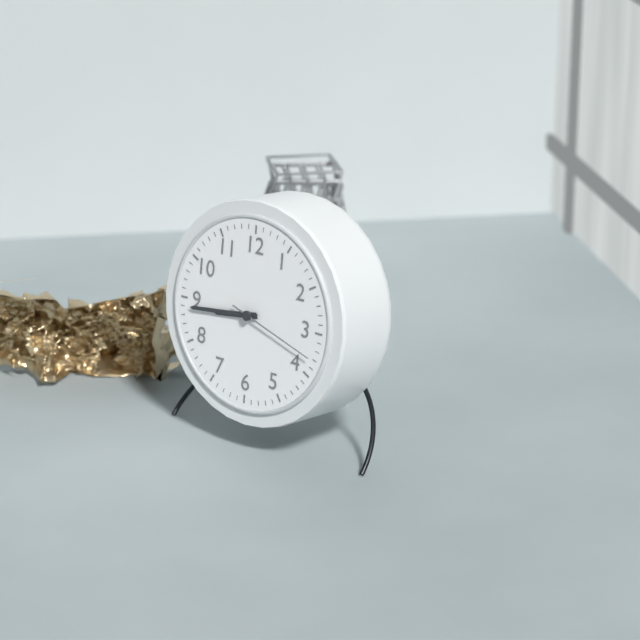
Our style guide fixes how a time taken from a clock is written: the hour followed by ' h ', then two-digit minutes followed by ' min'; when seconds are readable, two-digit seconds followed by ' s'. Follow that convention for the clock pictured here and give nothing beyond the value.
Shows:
8 h 44 min 18 s
